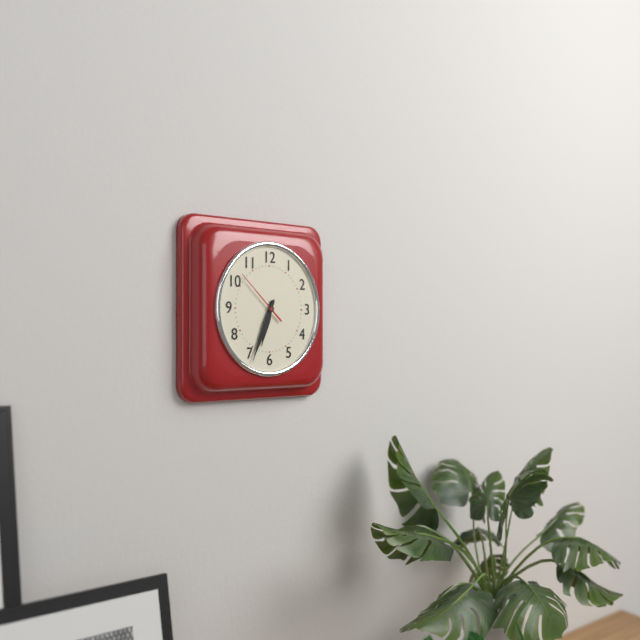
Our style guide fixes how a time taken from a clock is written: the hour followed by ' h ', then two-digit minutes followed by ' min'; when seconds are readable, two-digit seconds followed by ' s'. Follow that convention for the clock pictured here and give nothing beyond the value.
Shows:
6 h 34 min 52 s
